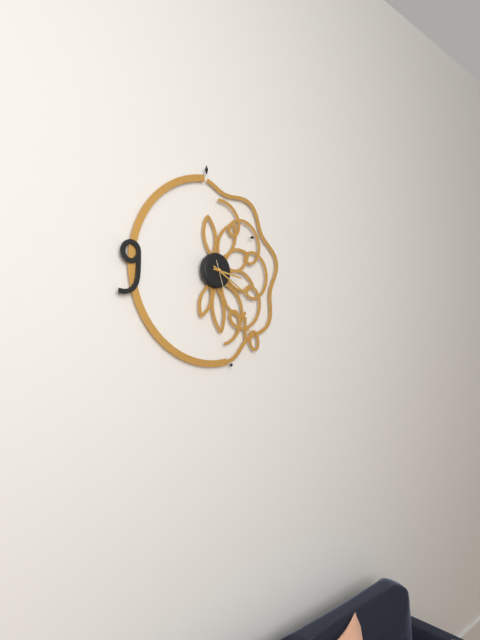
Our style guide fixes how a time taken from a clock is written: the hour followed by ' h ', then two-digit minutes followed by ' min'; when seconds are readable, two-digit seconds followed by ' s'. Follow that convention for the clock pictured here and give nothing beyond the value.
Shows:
3 h 20 min
